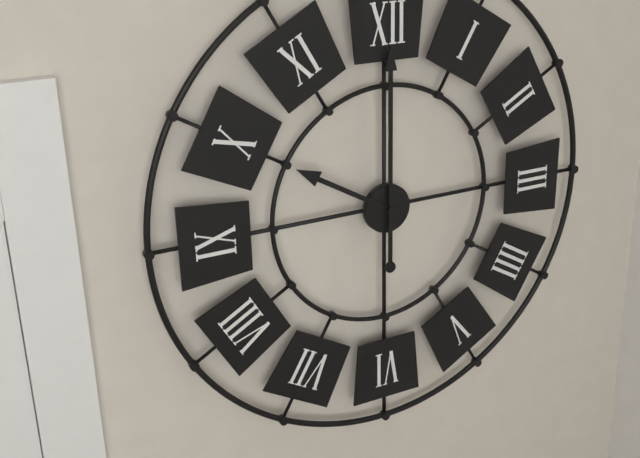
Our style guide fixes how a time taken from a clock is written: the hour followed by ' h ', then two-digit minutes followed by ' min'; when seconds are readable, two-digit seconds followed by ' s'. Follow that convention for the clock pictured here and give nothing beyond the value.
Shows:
10 h 00 min
